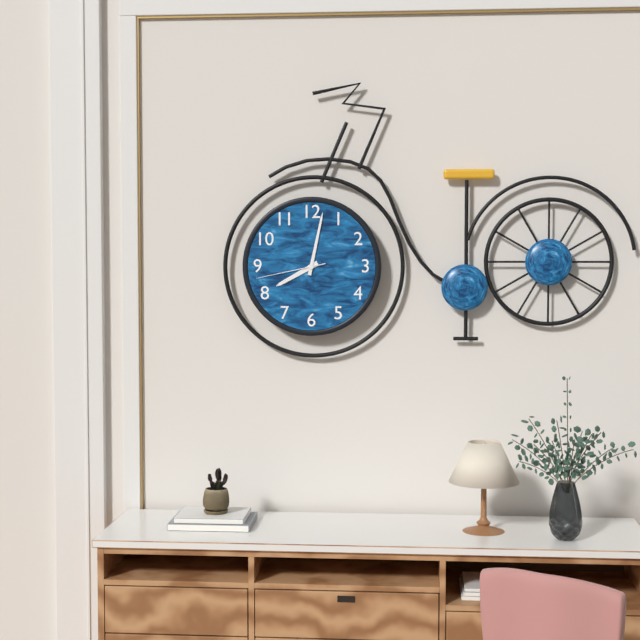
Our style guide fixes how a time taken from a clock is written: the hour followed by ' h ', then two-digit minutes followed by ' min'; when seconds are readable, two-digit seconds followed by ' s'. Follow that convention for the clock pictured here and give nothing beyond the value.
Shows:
8 h 02 min 43 s
